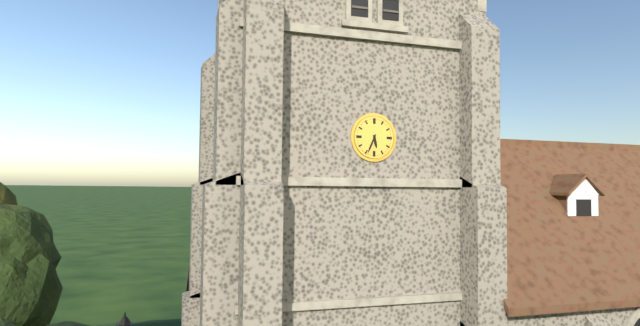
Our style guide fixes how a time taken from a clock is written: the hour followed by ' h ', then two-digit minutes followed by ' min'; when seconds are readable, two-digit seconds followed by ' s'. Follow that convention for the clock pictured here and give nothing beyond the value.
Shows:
5 h 34 min
